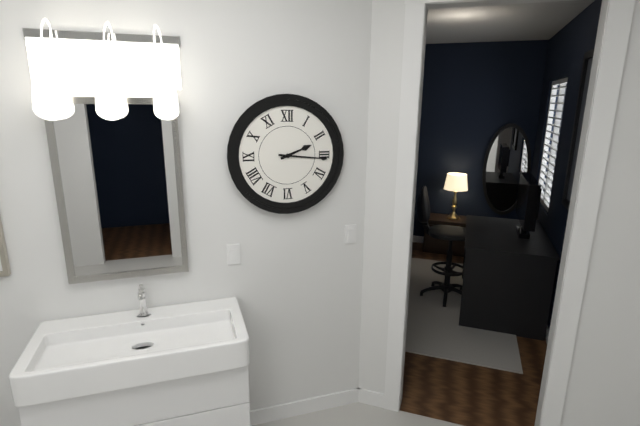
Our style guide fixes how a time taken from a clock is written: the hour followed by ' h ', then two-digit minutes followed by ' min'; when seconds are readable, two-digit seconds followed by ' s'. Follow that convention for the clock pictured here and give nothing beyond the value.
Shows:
2 h 16 min
